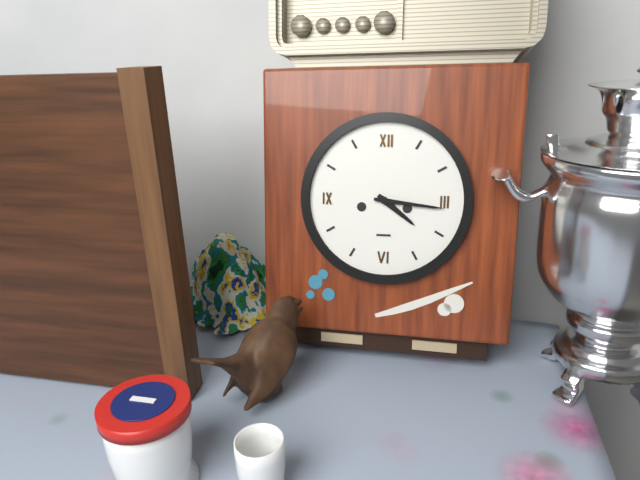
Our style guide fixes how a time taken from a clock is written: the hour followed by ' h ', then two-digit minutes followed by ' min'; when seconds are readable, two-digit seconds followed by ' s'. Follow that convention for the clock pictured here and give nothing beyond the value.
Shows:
4 h 16 min
